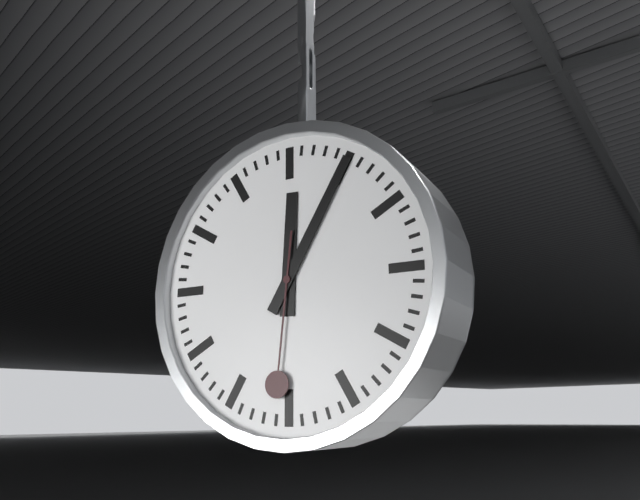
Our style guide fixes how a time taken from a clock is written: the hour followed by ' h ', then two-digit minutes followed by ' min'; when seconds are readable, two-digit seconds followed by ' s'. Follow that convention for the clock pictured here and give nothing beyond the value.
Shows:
12 h 05 min 31 s
